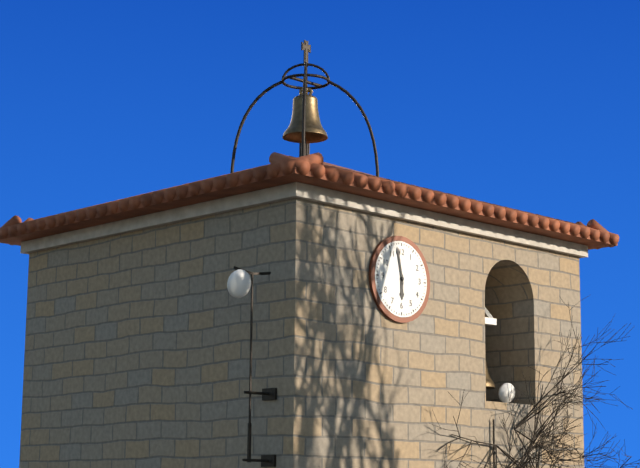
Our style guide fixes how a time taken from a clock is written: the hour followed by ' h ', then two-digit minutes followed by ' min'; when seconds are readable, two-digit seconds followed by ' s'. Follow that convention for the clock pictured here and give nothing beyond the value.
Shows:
5 h 58 min
